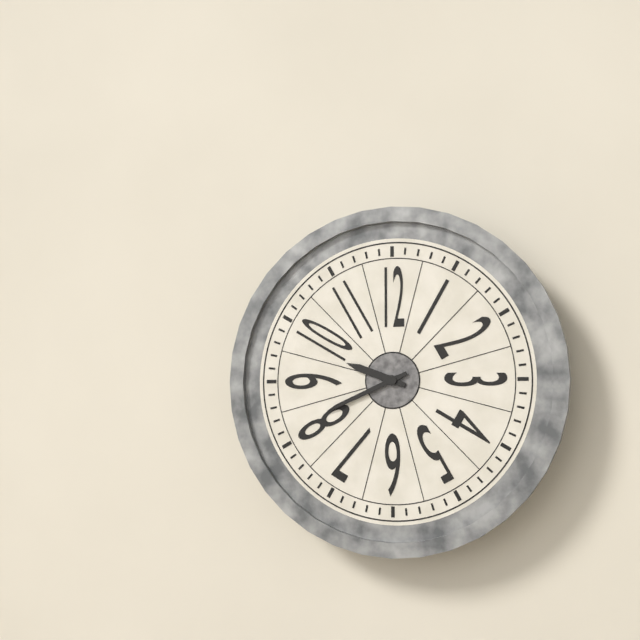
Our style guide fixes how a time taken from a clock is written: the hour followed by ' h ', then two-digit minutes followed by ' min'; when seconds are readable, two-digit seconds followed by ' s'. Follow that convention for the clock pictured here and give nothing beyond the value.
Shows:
9 h 41 min
